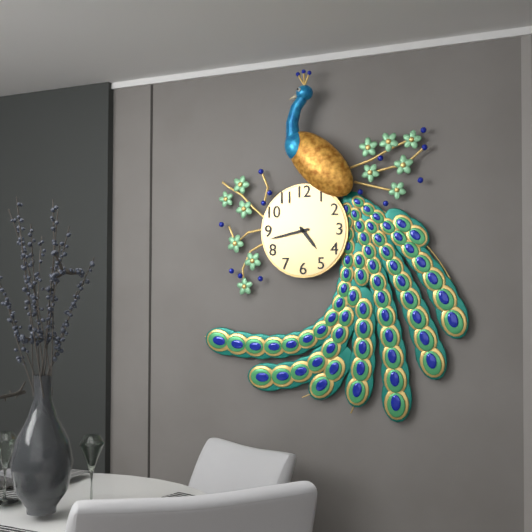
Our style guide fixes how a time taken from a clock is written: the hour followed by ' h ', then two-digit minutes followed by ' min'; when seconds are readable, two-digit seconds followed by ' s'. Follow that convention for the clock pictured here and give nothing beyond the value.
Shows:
4 h 43 min
